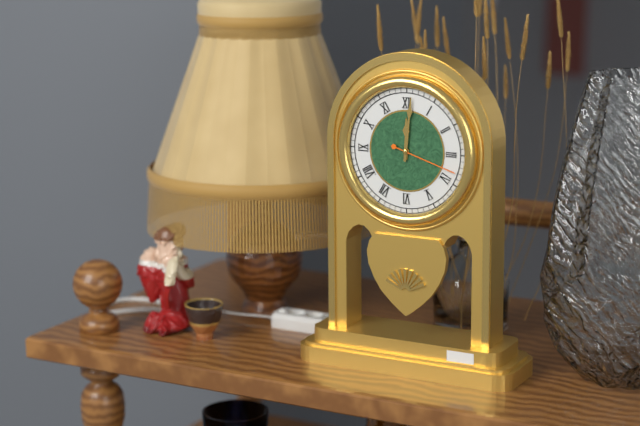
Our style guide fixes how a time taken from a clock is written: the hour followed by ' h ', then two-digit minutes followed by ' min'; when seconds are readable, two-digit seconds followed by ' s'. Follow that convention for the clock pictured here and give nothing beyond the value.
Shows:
12 h 01 min 18 s
